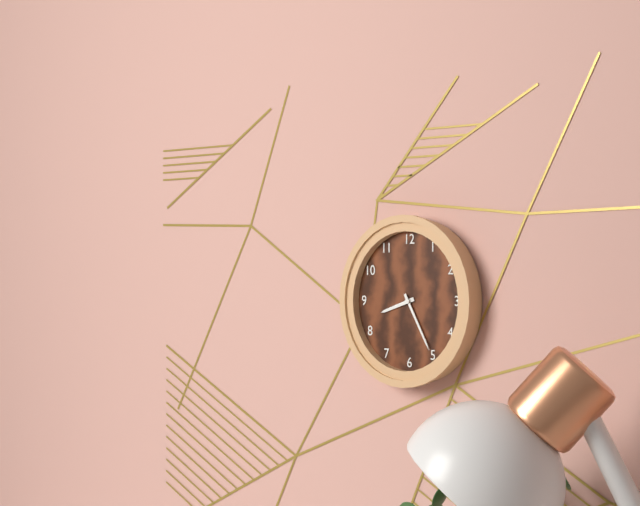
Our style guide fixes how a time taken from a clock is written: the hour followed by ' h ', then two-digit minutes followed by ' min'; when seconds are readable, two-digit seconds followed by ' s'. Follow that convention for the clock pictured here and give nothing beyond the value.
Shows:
8 h 25 min
